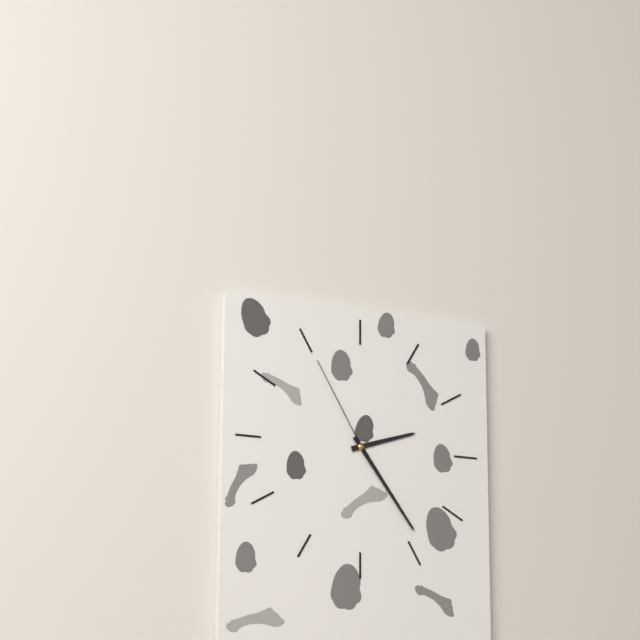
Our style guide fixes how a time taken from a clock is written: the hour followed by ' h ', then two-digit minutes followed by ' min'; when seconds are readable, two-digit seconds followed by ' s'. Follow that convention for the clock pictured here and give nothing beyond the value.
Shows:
2 h 24 min 55 s
